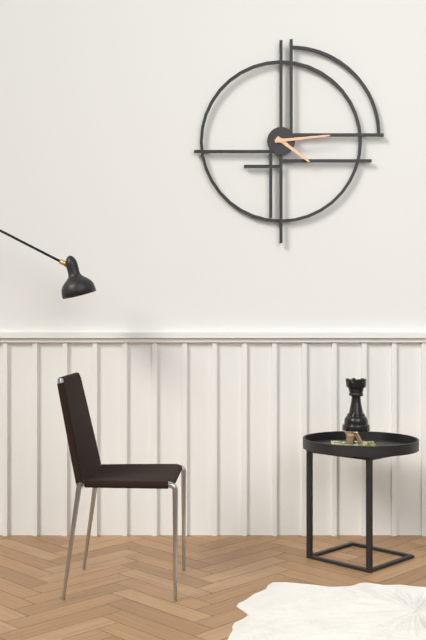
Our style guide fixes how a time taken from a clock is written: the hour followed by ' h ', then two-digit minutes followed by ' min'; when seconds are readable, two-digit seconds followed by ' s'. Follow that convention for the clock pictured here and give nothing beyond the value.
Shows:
4 h 14 min
